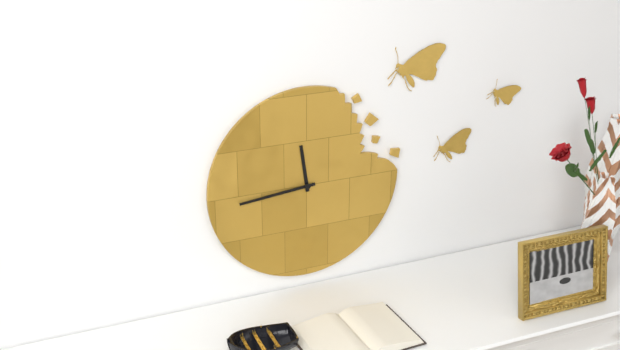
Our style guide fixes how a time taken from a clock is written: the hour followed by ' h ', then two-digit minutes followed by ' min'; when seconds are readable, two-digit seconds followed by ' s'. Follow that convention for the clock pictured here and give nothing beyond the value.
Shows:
11 h 44 min
